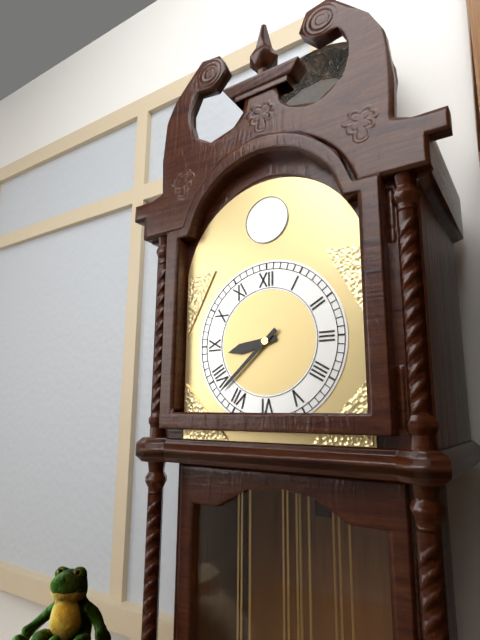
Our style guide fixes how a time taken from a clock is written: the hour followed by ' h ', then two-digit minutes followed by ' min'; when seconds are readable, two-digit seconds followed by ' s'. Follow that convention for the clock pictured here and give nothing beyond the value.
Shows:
8 h 38 min
